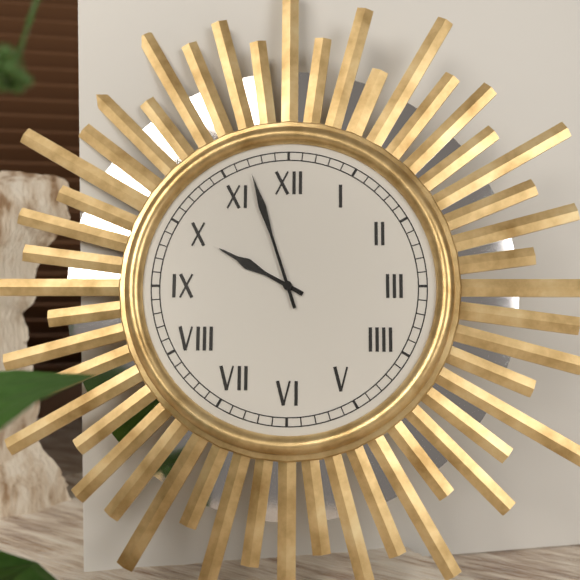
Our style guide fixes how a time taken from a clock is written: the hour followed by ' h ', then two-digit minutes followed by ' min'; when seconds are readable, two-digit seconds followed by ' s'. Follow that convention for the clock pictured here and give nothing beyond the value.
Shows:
9 h 57 min
